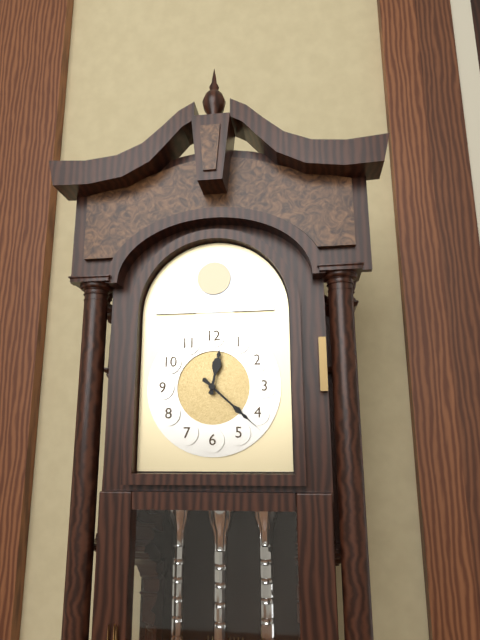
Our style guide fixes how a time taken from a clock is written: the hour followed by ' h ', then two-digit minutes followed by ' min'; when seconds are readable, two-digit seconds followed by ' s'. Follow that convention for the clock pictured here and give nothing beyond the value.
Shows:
12 h 22 min
